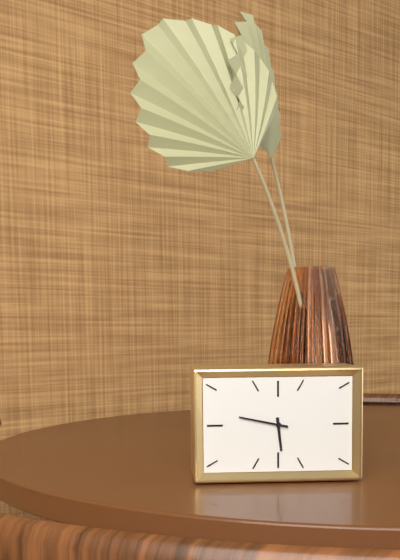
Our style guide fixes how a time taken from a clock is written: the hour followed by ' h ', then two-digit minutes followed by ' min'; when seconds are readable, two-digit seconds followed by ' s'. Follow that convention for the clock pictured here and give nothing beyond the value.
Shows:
5 h 47 min
